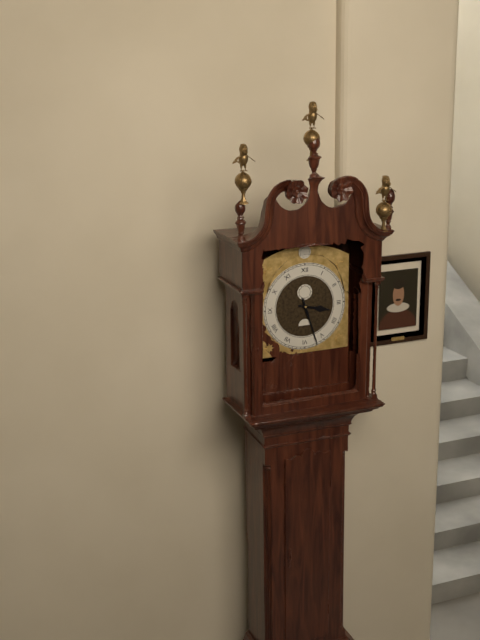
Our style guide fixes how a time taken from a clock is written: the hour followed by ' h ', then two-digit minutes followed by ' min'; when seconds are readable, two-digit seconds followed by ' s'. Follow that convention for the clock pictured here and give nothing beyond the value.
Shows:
3 h 27 min
